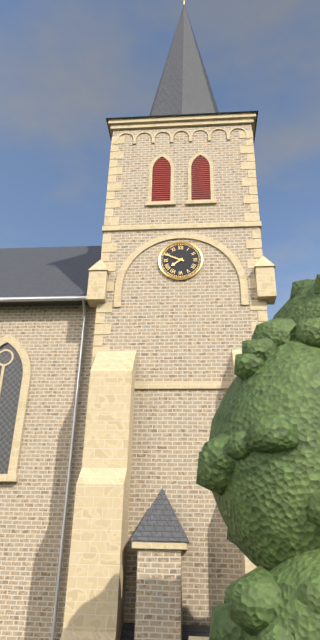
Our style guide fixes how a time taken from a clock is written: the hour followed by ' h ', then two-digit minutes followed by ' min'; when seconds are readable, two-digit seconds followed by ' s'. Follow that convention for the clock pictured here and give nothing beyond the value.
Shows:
7 h 49 min
